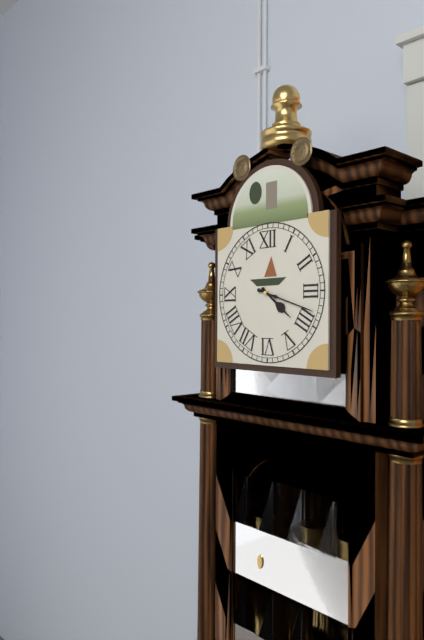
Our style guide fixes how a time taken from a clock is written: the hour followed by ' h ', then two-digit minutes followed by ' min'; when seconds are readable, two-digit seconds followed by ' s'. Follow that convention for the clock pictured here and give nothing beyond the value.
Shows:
4 h 18 min
